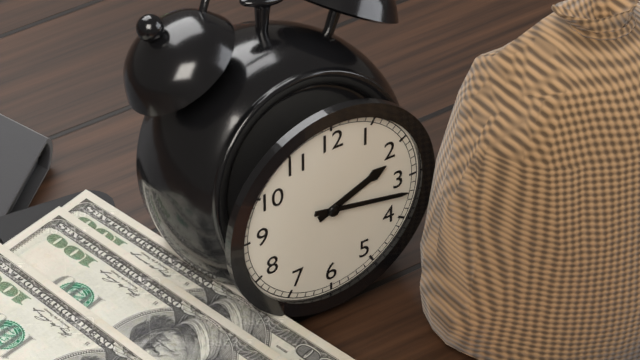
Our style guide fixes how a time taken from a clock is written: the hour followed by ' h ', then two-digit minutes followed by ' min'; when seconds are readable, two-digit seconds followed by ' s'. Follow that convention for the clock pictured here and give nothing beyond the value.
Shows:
2 h 17 min
